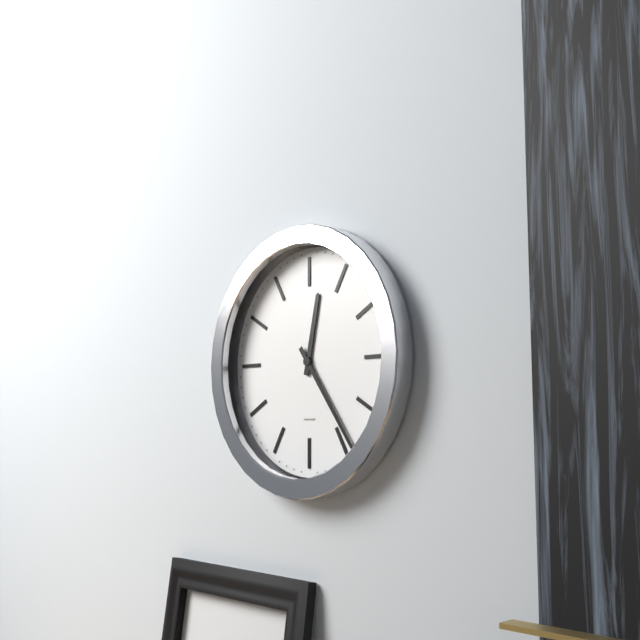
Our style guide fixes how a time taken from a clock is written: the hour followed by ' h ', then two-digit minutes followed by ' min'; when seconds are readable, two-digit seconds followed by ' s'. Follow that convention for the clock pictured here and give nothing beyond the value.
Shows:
12 h 24 min
